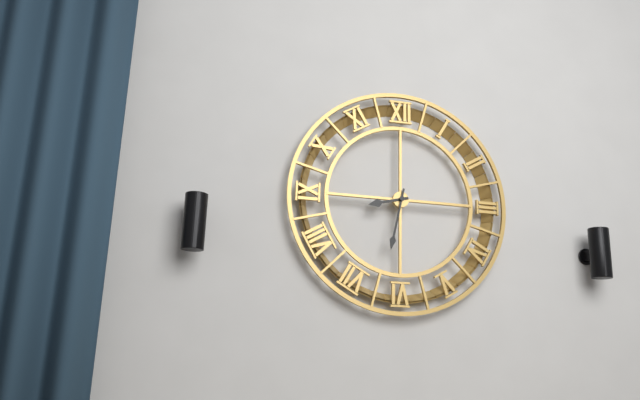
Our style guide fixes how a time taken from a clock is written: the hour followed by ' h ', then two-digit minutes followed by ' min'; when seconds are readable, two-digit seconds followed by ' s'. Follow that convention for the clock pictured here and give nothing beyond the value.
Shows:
8 h 32 min
